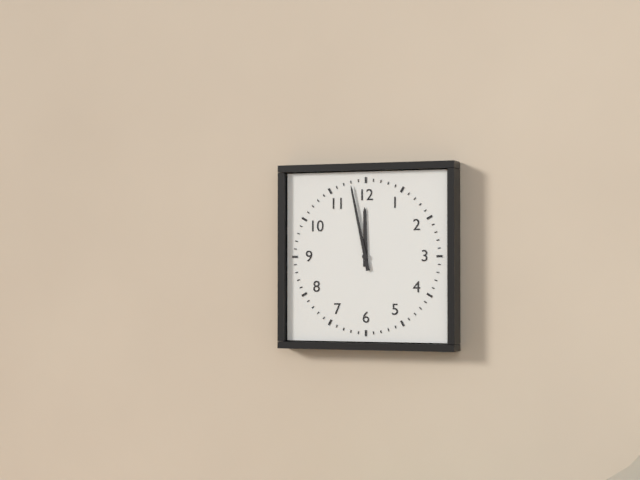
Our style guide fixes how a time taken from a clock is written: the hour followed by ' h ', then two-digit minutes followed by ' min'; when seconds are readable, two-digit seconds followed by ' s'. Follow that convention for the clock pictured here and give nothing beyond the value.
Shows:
11 h 58 min
